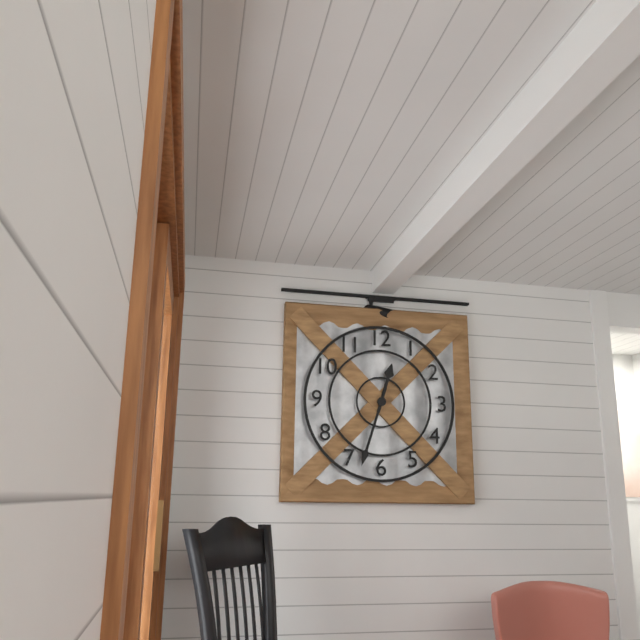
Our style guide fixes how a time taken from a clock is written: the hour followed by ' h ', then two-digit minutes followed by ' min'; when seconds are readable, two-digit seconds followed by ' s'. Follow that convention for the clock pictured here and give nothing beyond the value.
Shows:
12 h 33 min
